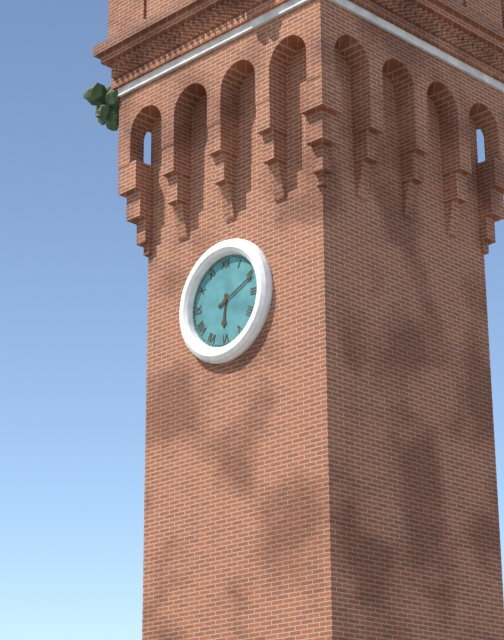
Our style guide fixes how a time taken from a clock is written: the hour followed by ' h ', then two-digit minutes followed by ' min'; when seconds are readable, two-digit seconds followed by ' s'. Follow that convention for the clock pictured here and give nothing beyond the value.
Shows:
6 h 11 min
